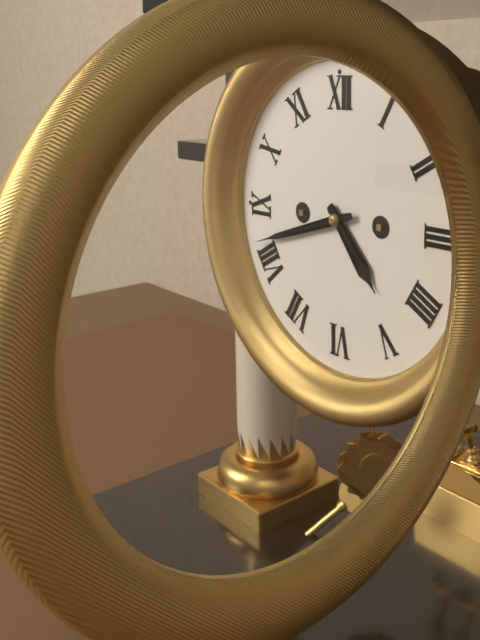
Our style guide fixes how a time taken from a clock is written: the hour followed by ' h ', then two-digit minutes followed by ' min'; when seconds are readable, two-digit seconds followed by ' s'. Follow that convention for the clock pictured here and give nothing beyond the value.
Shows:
4 h 42 min
